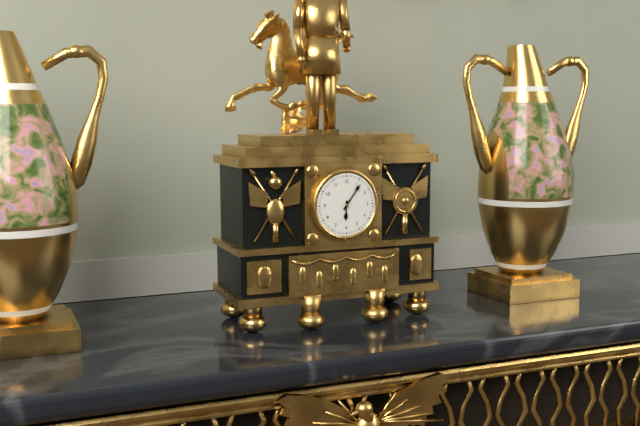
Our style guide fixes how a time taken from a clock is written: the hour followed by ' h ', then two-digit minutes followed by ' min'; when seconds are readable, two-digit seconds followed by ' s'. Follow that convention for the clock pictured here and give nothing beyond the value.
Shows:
6 h 06 min
